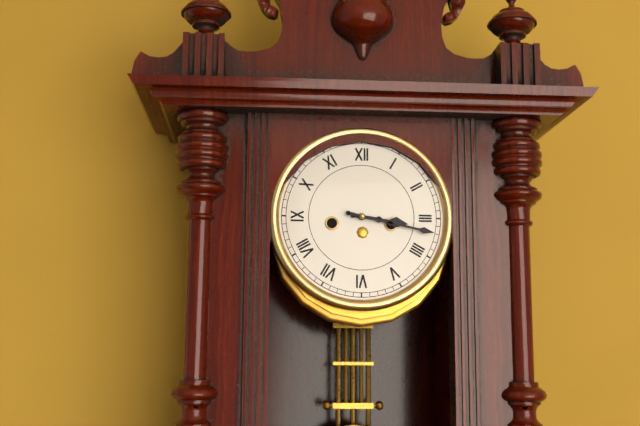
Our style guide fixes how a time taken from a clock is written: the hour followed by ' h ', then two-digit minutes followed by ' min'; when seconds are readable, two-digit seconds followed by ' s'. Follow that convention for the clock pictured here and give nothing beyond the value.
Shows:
3 h 17 min
